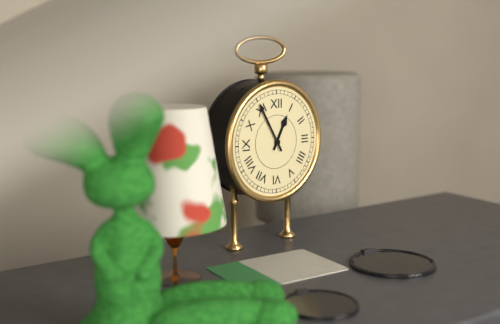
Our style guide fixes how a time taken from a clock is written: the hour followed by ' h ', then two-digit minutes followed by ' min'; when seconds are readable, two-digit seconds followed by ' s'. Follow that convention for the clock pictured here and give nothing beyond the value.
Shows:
12 h 55 min
